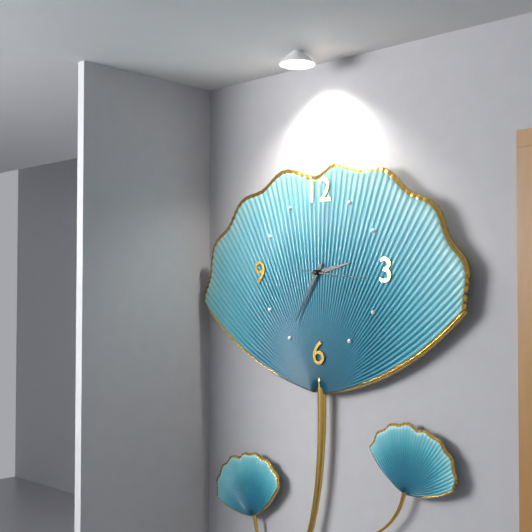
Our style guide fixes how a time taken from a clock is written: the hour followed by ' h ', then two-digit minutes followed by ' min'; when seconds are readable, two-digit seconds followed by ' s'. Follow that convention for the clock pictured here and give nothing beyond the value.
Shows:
2 h 35 min 16 s
